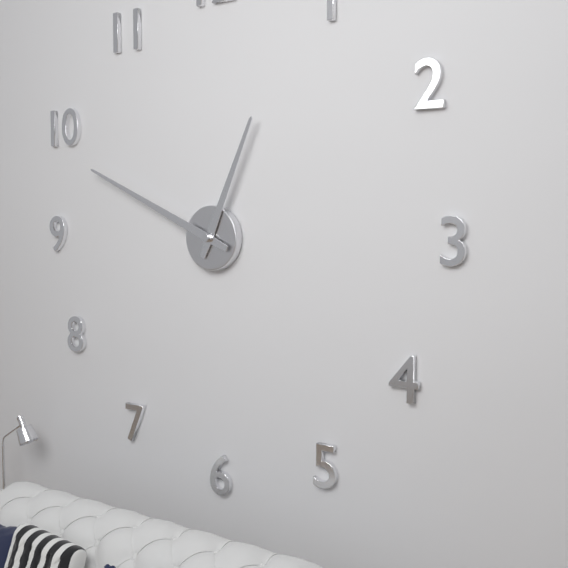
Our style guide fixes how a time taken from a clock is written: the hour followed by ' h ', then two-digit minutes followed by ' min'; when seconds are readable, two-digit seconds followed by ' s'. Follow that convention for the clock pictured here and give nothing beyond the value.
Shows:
12 h 49 min
